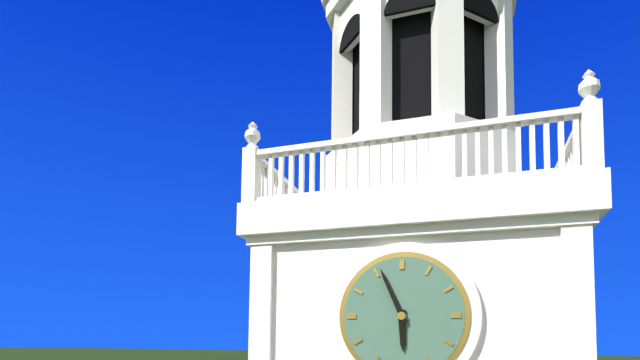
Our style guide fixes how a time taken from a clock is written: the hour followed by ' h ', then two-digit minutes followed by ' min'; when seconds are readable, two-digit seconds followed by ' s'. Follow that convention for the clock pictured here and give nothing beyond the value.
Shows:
5 h 56 min
